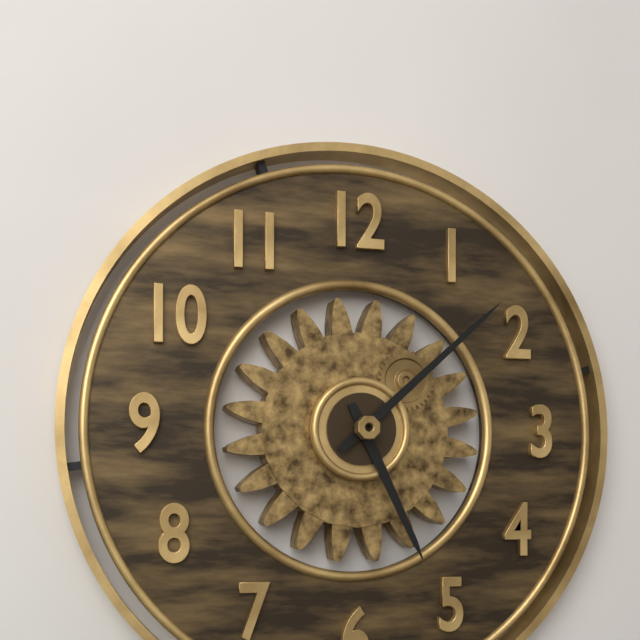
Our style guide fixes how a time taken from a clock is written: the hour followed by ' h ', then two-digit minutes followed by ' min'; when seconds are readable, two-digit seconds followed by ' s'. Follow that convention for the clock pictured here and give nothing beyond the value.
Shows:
5 h 08 min
